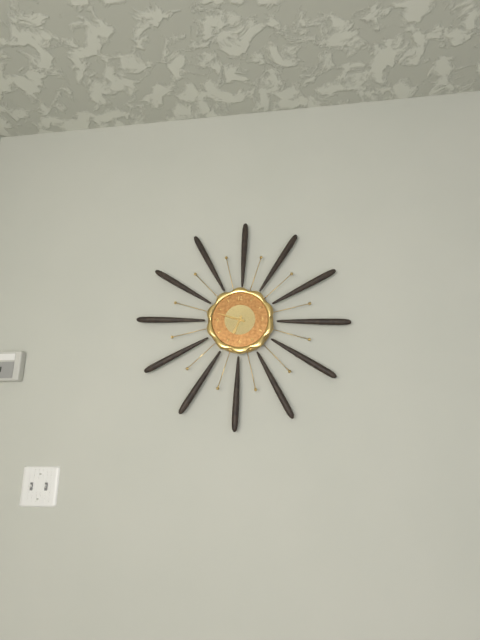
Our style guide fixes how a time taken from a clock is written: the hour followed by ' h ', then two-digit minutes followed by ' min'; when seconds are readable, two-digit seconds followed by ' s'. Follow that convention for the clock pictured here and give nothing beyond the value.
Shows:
6 h 48 min
